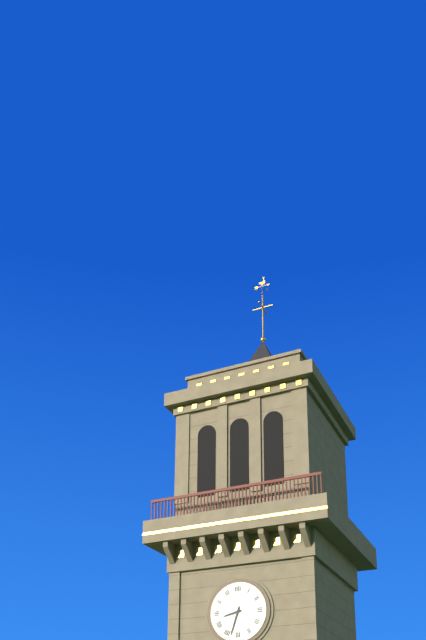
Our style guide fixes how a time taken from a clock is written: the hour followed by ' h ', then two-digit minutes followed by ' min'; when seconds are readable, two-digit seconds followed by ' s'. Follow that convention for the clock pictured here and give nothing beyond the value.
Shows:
8 h 33 min
